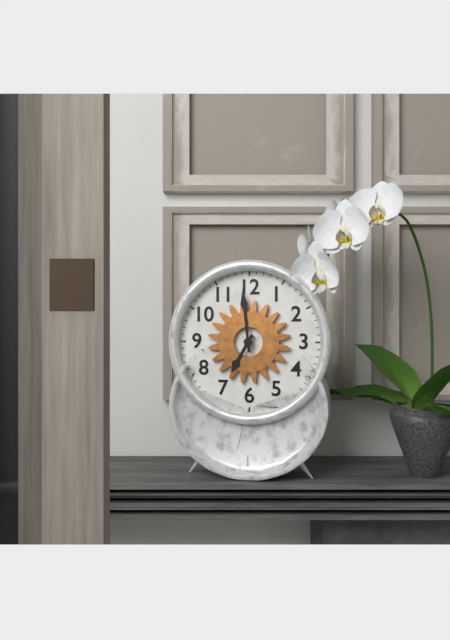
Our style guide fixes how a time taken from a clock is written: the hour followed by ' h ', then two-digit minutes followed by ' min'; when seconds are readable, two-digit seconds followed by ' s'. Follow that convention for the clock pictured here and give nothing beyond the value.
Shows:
6 h 59 min
